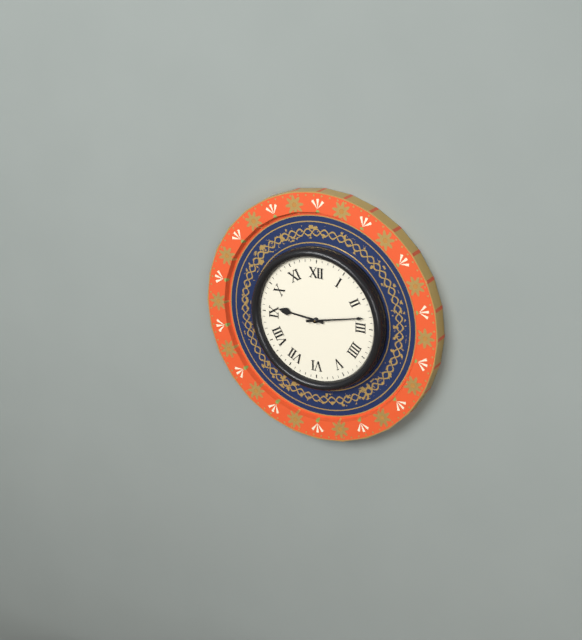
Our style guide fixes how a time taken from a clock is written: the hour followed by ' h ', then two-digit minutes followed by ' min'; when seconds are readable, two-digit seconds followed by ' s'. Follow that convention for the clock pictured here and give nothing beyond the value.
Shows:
9 h 13 min
